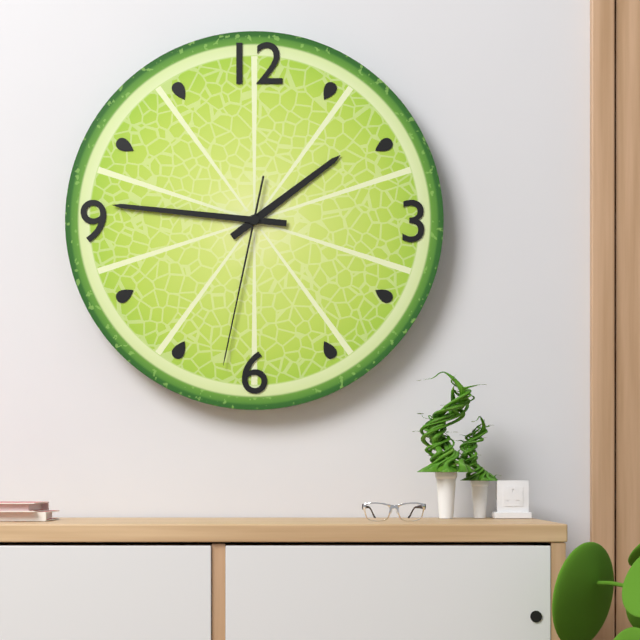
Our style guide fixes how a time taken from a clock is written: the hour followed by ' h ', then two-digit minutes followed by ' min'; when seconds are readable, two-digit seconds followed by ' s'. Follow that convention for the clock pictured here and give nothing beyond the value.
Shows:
1 h 46 min 32 s
